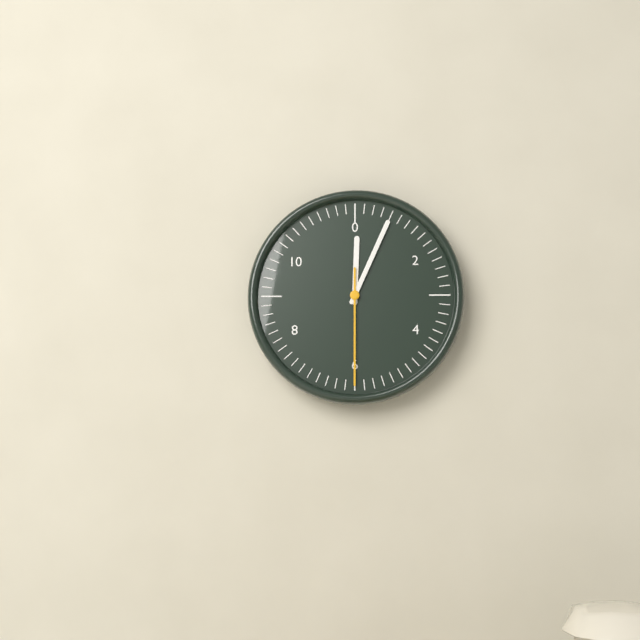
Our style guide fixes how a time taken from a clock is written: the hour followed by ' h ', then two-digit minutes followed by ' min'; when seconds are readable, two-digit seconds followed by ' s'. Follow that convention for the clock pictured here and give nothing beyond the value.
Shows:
12 h 04 min 30 s
